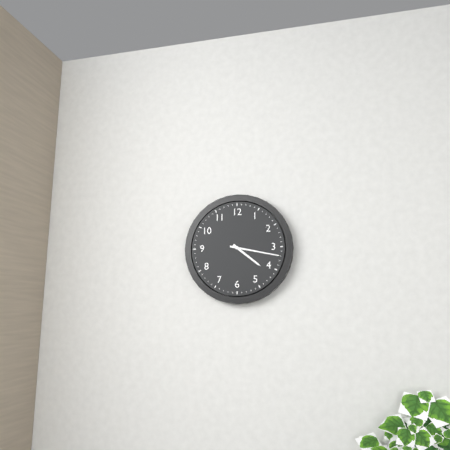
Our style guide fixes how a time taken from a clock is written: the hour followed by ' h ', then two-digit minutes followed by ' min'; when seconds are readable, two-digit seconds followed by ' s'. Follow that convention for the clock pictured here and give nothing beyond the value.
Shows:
4 h 17 min
